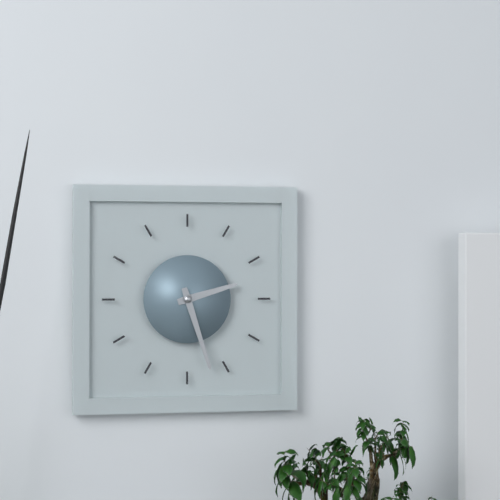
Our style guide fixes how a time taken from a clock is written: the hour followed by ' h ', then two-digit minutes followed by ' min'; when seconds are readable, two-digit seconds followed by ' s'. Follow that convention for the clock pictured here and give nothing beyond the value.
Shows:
2 h 27 min
